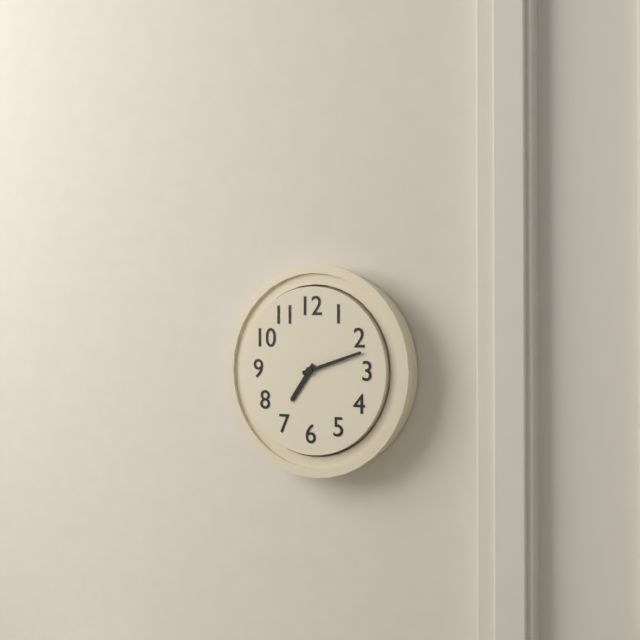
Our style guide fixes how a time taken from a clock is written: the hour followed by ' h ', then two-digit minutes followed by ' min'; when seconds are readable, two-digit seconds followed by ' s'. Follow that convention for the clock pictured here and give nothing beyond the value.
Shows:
7 h 12 min
